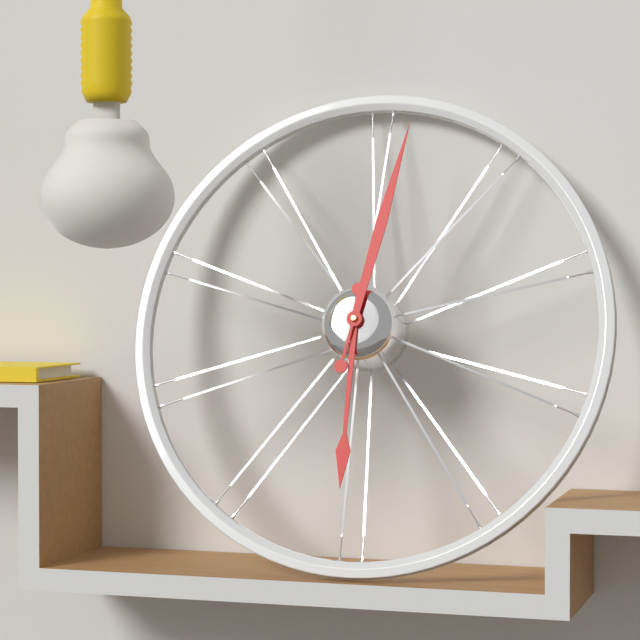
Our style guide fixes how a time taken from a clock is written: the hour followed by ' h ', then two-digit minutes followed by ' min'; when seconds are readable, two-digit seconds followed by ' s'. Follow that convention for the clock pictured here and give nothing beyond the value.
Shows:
6 h 02 min
